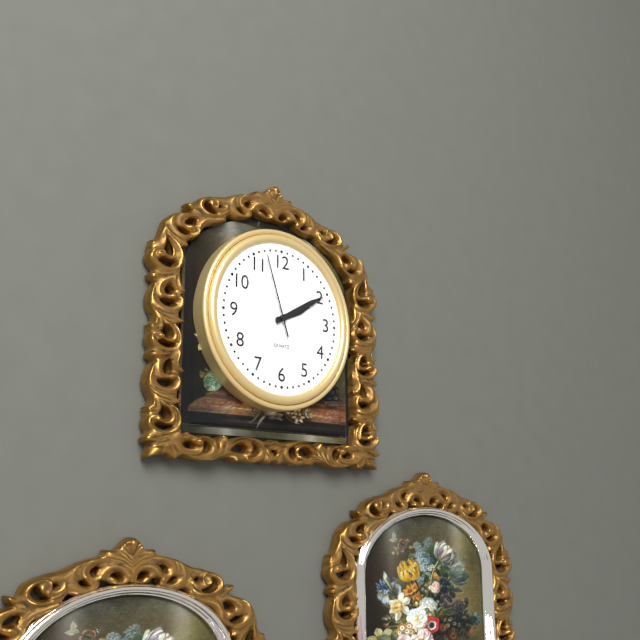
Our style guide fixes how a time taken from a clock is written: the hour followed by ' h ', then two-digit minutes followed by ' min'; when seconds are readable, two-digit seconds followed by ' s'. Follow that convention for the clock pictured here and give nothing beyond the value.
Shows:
2 h 10 min 57 s
